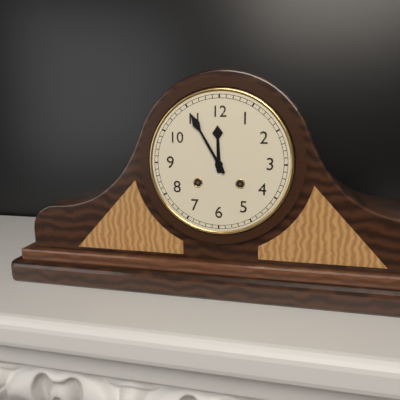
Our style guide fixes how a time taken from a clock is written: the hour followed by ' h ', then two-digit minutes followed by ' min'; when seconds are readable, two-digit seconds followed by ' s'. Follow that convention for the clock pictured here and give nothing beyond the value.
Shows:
11 h 55 min
